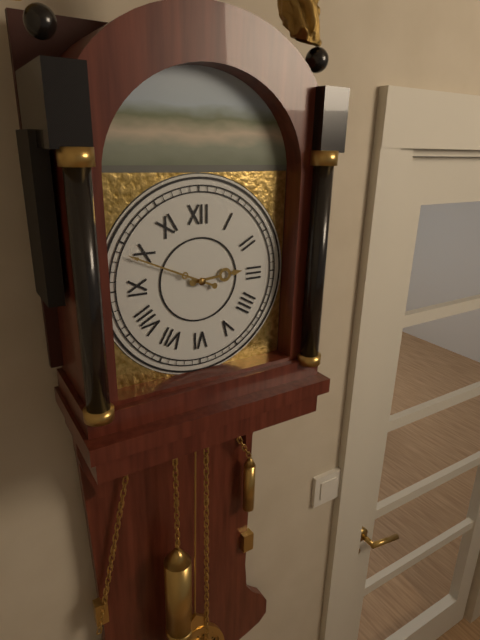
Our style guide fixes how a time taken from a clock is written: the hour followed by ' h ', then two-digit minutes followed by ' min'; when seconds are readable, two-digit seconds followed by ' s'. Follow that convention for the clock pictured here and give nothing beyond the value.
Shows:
2 h 49 min
